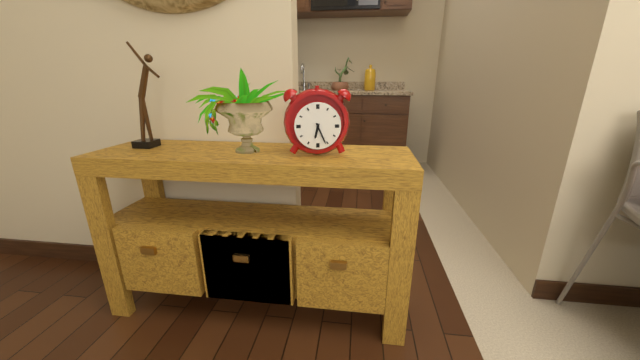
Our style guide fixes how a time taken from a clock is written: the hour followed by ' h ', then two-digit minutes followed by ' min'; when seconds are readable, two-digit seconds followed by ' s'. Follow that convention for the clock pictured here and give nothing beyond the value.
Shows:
6 h 26 min
